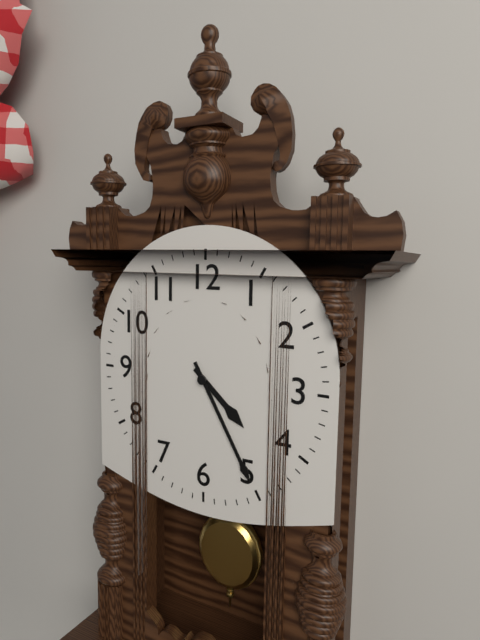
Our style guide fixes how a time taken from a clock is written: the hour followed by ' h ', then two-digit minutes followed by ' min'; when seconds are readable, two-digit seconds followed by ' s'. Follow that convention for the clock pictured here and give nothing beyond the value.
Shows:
4 h 25 min
